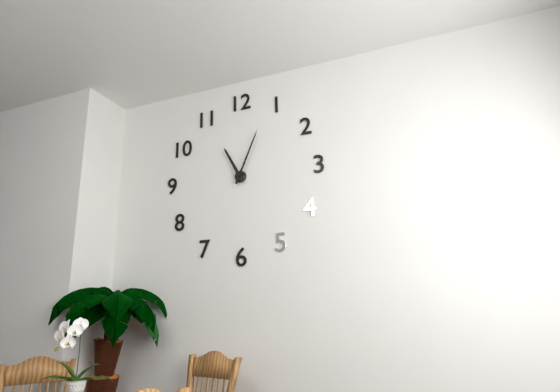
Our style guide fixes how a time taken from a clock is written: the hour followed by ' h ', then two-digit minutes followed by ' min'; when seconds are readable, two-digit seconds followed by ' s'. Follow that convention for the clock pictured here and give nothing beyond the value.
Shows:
11 h 04 min
